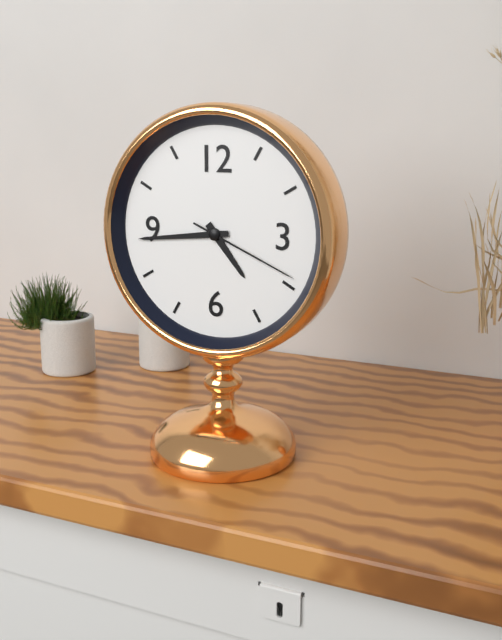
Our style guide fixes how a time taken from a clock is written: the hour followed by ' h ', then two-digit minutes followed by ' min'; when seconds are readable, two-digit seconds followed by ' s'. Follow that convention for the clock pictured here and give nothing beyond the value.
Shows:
4 h 44 min 19 s
